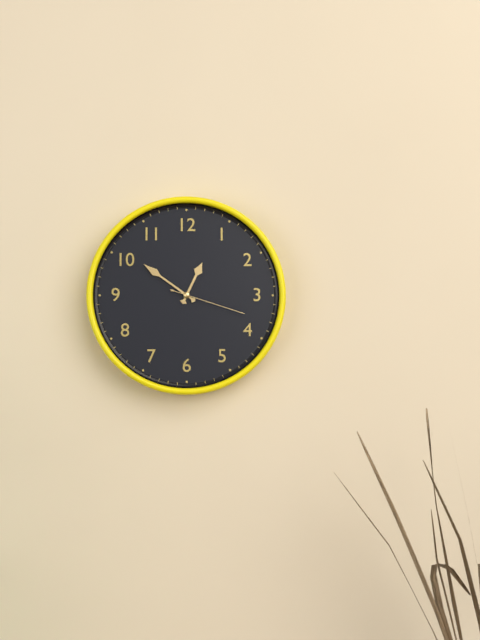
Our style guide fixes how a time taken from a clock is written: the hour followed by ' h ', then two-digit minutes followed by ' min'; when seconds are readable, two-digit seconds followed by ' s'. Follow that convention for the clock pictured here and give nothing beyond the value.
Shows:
12 h 51 min 18 s
